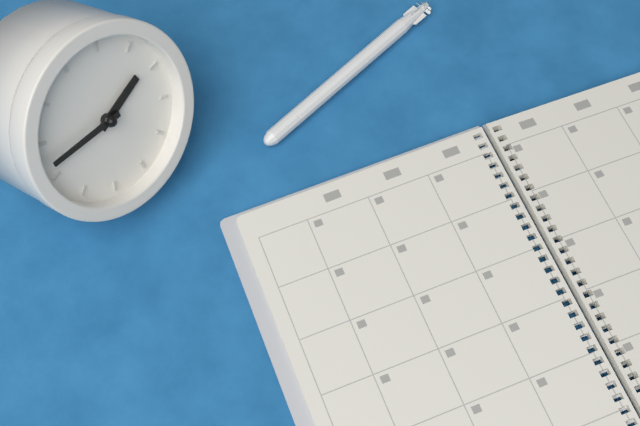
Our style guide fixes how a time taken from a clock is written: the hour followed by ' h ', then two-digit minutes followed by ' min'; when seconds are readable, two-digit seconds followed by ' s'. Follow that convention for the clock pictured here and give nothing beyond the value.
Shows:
1 h 42 min
